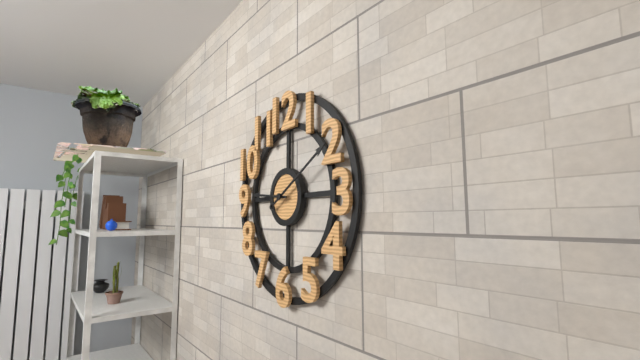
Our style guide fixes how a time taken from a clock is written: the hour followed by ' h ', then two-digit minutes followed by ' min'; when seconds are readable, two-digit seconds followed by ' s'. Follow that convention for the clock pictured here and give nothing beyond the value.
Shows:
9 h 10 min
